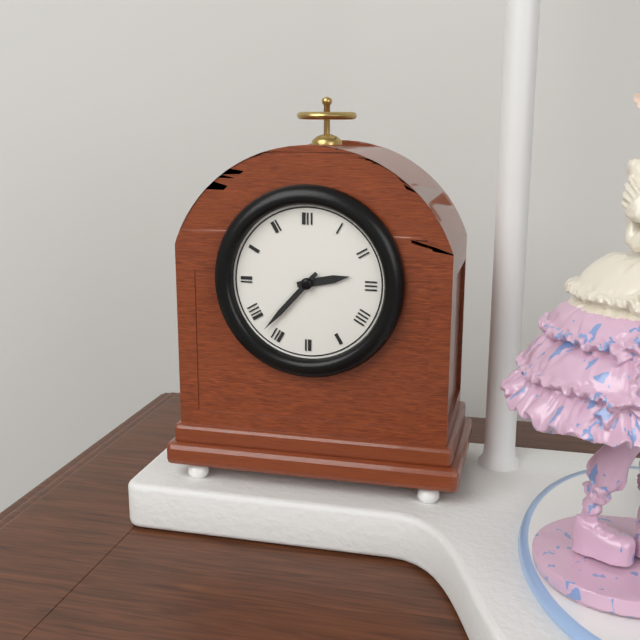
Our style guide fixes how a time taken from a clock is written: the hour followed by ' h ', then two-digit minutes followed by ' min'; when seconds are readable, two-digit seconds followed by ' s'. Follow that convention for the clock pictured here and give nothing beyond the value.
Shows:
2 h 37 min
